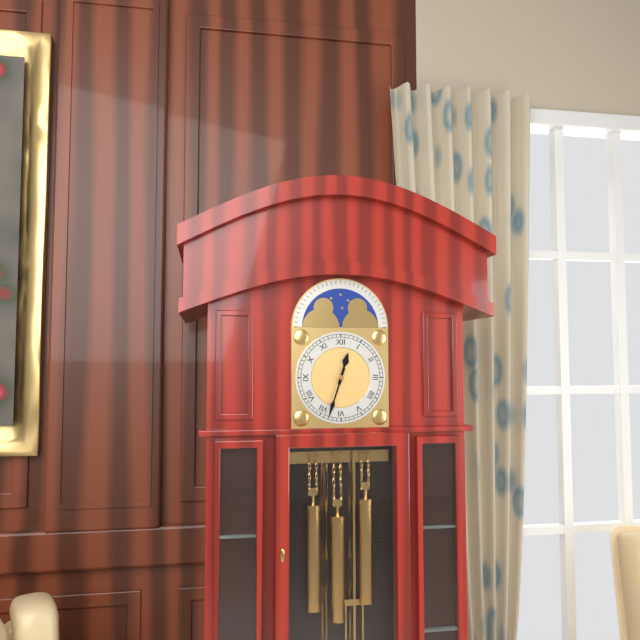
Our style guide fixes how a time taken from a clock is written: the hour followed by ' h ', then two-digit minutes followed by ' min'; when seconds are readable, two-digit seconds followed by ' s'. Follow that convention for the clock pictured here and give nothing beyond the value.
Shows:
12 h 33 min
